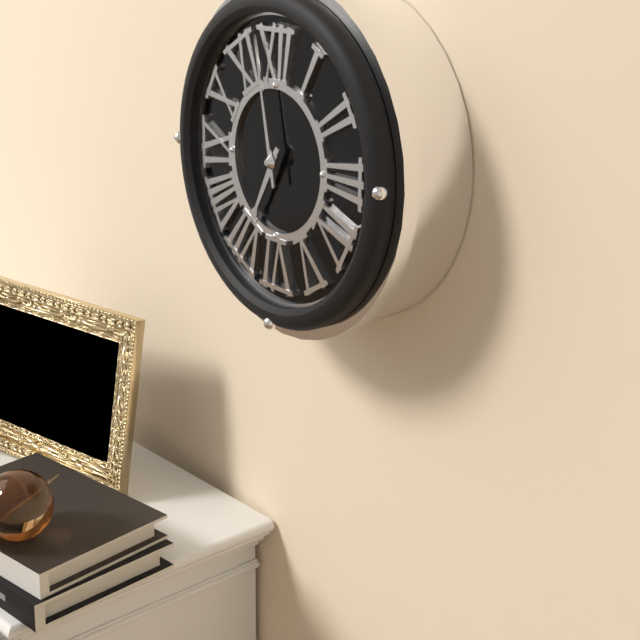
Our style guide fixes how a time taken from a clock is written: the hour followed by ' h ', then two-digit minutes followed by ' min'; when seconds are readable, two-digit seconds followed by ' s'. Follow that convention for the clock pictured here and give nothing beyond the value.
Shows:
6 h 58 min
